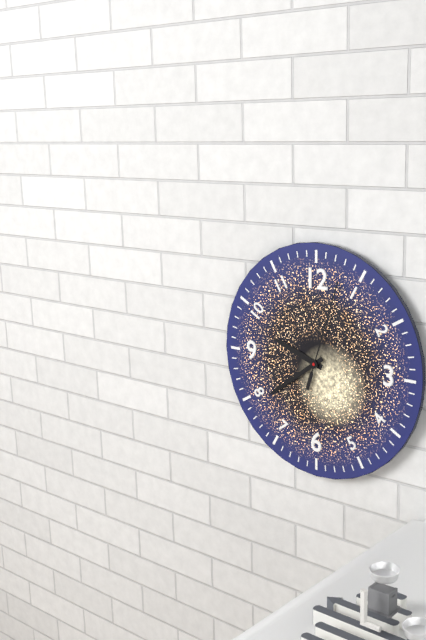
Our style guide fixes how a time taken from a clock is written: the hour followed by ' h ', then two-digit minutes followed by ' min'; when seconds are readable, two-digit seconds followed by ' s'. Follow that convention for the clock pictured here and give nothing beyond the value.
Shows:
9 h 39 min 03 s
